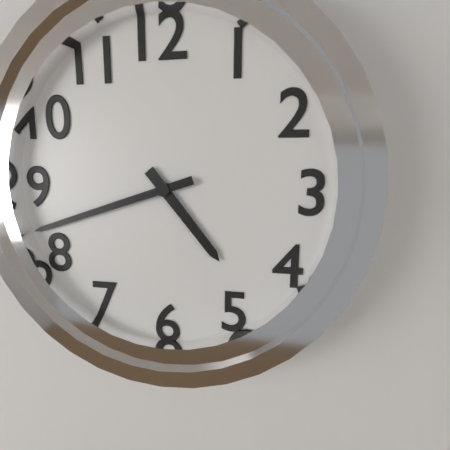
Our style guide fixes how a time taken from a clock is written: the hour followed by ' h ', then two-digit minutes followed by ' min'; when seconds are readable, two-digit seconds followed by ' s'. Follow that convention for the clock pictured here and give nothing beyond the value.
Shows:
4 h 42 min
